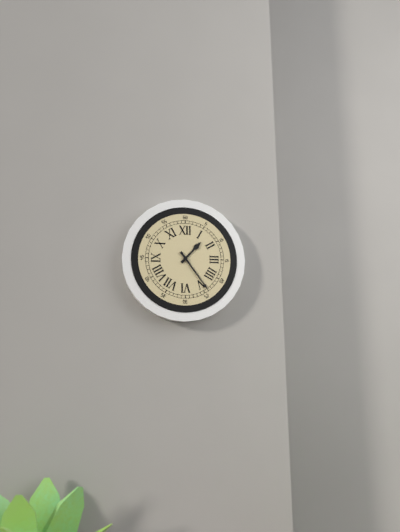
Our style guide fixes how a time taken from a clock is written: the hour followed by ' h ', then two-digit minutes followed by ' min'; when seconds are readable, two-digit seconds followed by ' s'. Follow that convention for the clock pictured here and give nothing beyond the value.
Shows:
1 h 24 min
